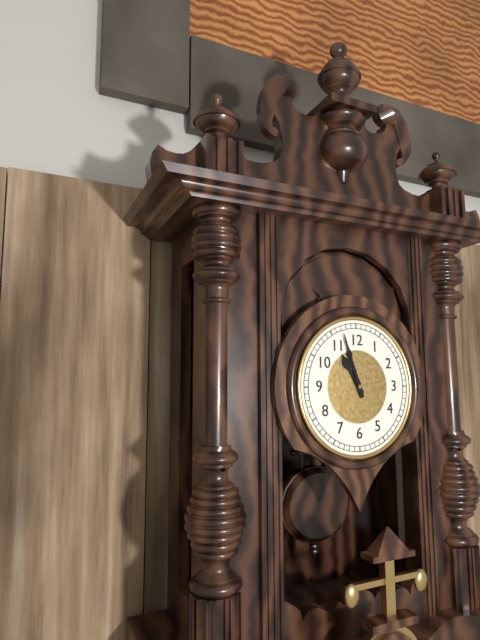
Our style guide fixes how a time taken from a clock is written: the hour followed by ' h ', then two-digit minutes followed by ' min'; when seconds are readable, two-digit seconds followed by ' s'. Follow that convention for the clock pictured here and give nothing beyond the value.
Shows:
10 h 57 min
